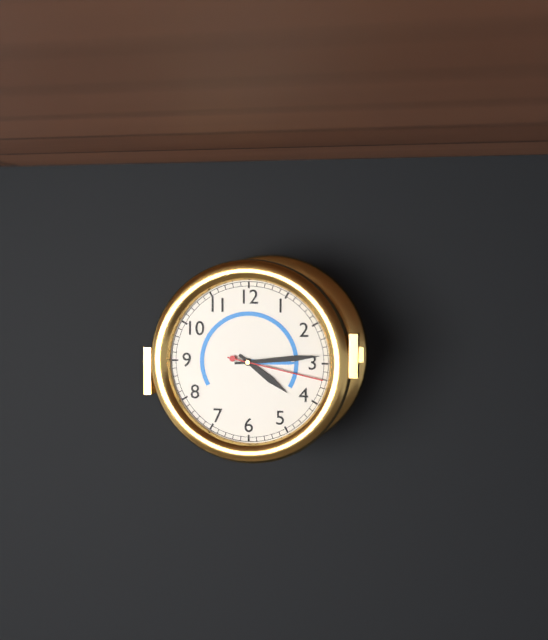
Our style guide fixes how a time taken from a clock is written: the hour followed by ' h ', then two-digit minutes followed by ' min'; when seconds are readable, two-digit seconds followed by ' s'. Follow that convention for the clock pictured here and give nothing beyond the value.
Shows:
4 h 14 min 17 s
